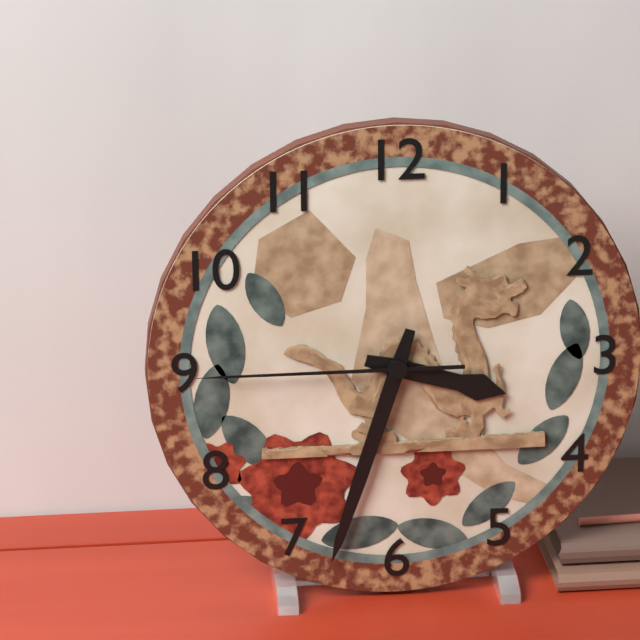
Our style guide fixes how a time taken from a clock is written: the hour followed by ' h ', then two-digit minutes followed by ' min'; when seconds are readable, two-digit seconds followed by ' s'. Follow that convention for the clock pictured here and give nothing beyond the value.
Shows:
3 h 33 min 45 s
